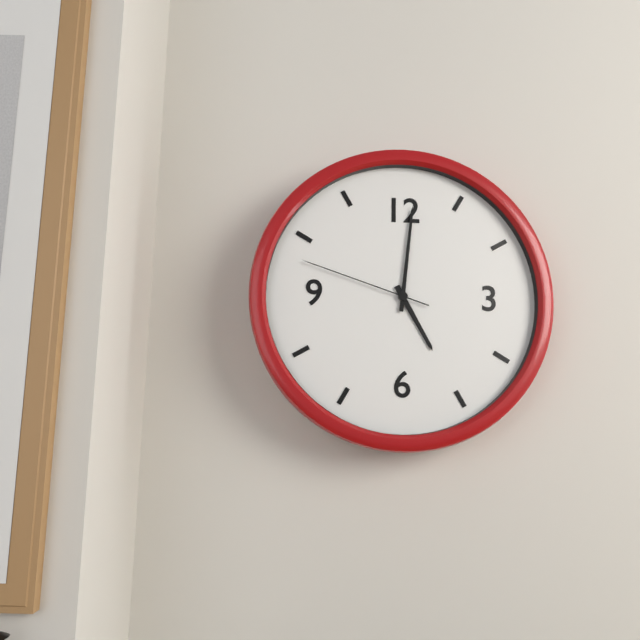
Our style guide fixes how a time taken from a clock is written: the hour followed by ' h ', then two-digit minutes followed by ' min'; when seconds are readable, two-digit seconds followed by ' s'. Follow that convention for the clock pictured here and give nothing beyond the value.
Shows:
5 h 01 min 48 s
